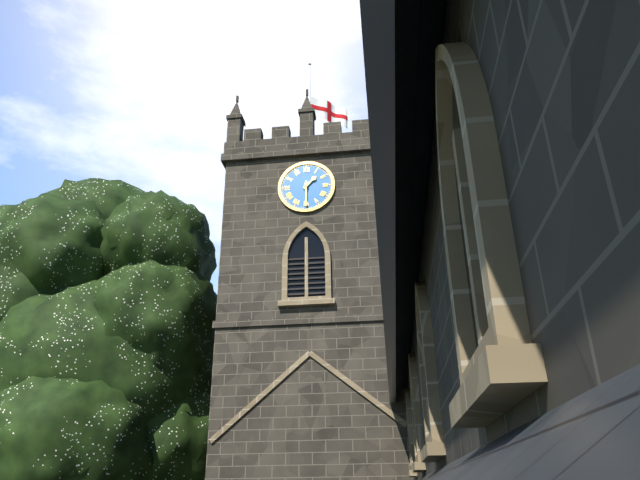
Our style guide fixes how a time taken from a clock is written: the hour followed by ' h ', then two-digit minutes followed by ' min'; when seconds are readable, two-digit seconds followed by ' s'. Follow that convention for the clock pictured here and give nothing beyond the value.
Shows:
1 h 30 min
